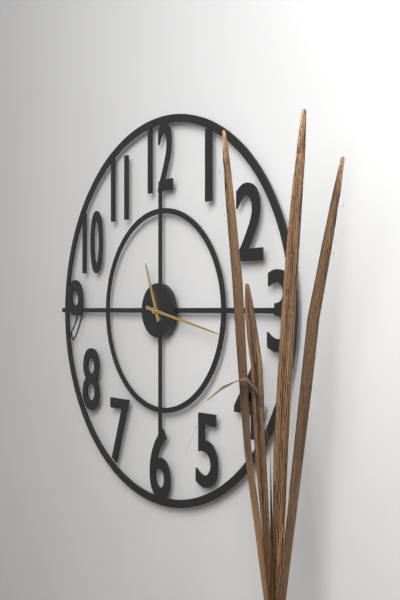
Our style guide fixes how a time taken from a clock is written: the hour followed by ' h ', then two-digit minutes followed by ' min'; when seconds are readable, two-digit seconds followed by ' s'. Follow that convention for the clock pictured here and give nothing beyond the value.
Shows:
11 h 17 min
